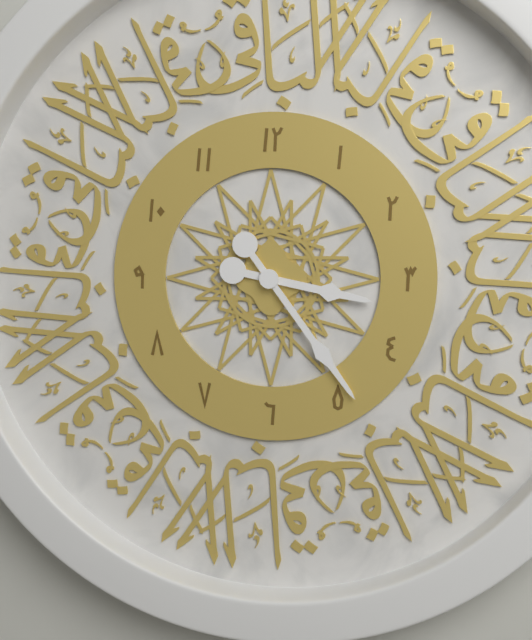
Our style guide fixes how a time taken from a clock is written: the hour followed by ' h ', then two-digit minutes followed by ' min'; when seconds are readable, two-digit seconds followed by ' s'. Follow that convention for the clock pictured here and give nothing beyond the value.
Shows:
3 h 24 min
